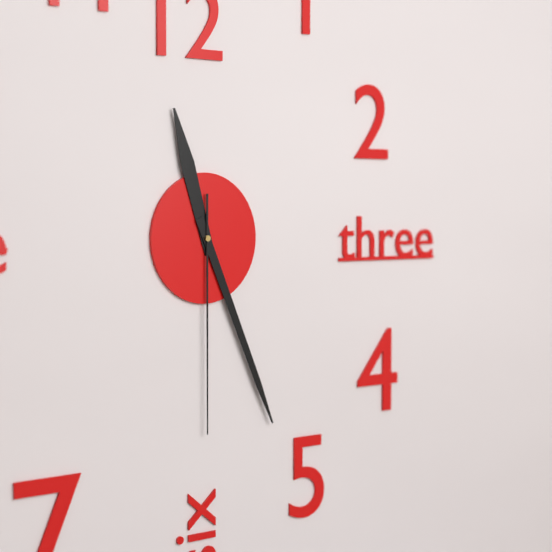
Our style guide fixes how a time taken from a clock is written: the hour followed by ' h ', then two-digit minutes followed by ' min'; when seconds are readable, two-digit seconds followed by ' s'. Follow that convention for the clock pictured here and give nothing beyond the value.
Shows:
11 h 26 min 30 s
